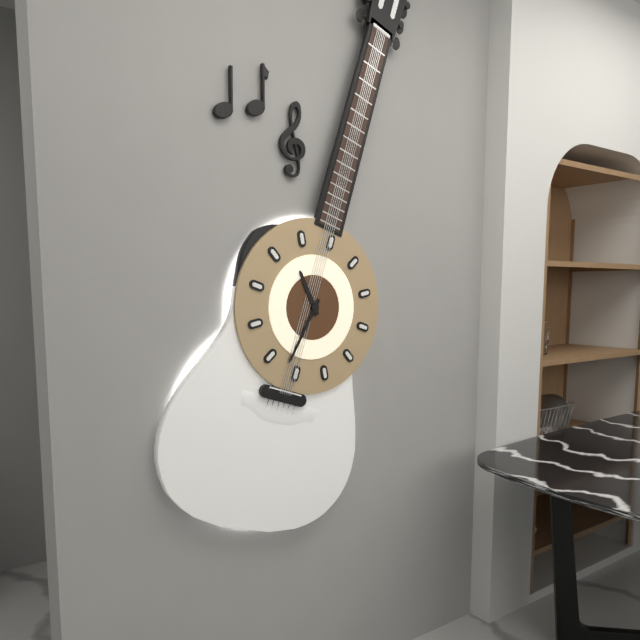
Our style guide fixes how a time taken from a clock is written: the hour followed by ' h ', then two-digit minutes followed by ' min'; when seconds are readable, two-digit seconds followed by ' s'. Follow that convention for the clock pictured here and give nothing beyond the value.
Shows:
10 h 32 min
